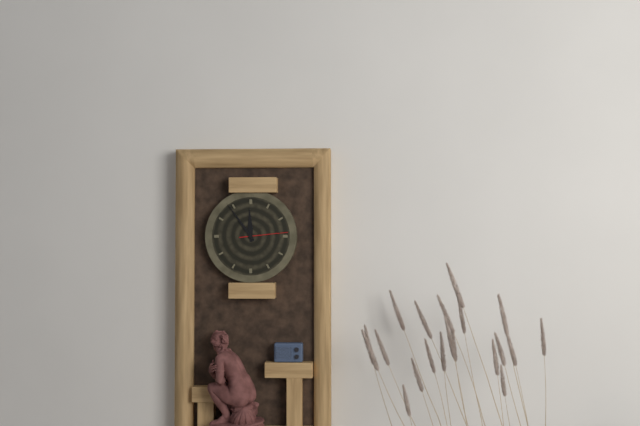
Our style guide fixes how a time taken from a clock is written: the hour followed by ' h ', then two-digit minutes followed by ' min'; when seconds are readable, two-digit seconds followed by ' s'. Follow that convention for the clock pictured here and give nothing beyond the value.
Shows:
11 h 54 min
